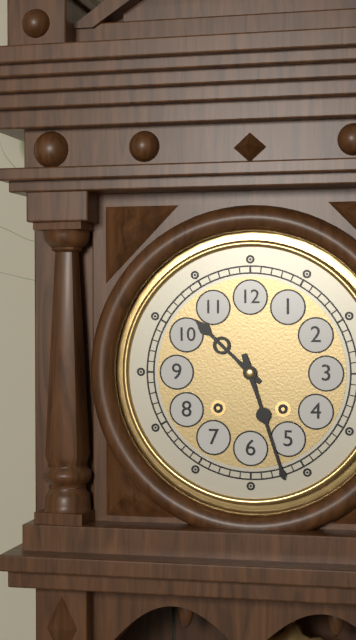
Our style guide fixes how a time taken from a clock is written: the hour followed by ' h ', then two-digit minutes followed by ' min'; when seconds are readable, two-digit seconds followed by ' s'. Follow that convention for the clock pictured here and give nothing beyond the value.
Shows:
10 h 27 min
